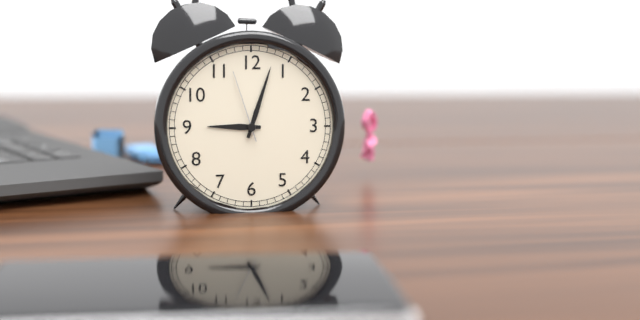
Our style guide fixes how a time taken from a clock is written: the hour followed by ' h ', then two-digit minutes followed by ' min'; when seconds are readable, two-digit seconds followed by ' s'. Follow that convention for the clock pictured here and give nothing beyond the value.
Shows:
9 h 03 min 57 s
